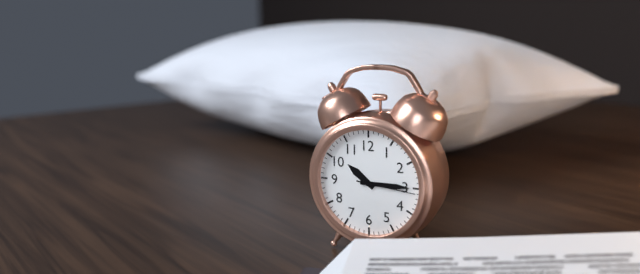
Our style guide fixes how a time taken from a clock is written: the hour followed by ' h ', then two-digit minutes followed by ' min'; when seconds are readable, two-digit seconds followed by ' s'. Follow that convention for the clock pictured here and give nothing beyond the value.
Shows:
10 h 15 min 16 s
